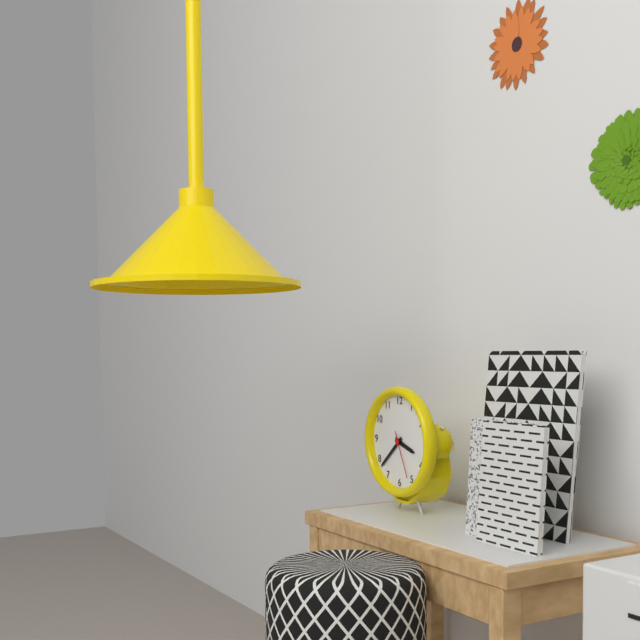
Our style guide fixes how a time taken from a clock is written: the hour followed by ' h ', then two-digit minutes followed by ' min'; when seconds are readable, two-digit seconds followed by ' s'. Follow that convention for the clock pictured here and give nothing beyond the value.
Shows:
3 h 38 min
